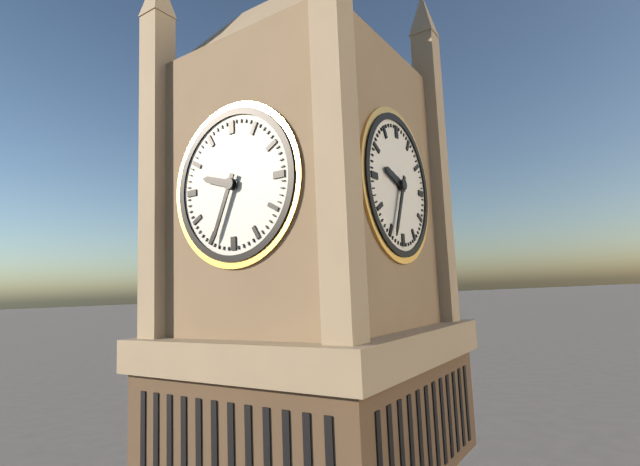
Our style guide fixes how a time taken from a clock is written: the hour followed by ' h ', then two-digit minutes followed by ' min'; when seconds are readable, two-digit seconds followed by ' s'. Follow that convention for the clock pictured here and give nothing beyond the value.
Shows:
9 h 34 min
